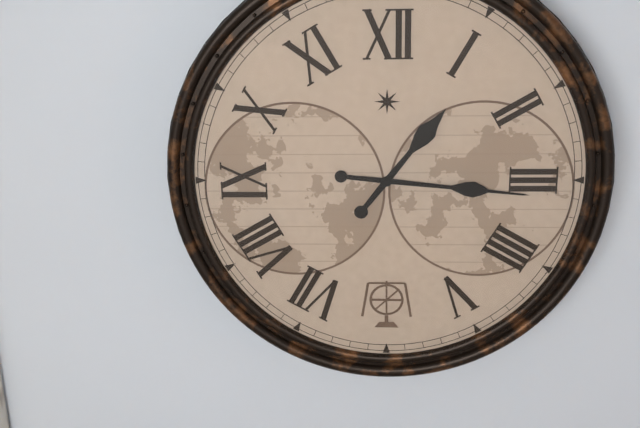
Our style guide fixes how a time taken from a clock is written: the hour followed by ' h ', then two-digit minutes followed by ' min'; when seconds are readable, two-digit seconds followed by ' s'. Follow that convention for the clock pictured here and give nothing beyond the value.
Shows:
1 h 16 min
